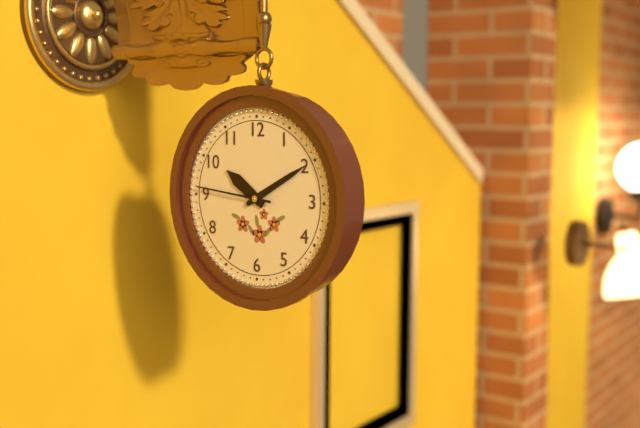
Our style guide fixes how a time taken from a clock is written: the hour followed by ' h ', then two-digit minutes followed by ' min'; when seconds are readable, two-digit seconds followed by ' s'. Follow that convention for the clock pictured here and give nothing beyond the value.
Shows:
10 h 10 min 46 s
